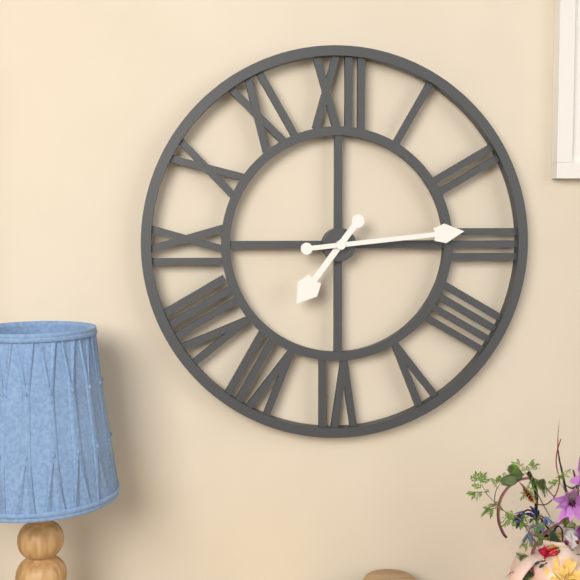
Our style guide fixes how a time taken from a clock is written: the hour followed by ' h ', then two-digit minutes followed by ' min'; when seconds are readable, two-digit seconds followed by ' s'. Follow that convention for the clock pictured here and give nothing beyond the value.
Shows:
7 h 14 min
